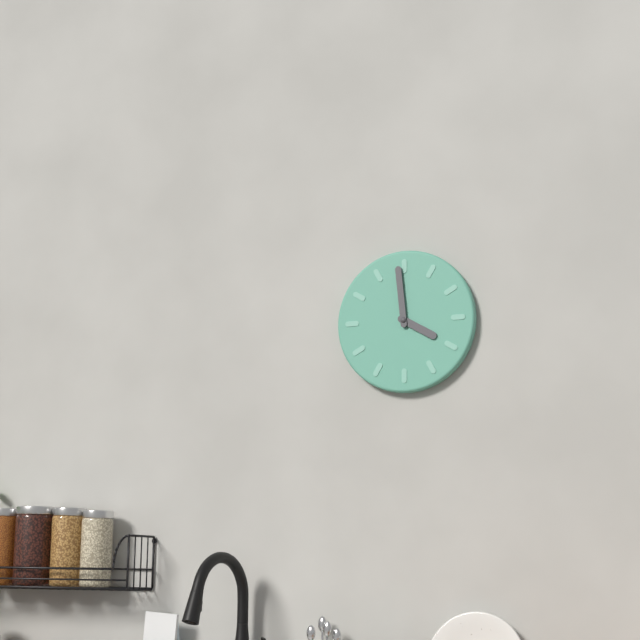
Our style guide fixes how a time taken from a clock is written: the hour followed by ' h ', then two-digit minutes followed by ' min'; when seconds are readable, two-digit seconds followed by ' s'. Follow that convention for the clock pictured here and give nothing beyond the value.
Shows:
3 h 59 min
